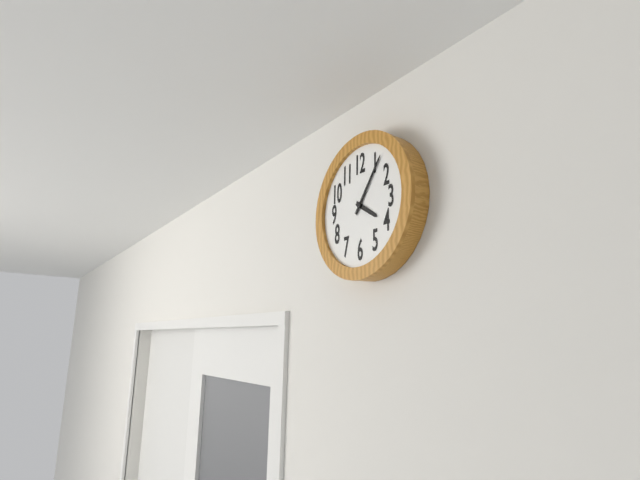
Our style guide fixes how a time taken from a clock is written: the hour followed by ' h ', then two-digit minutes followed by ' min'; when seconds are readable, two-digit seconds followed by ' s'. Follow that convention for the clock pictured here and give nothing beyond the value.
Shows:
4 h 06 min
